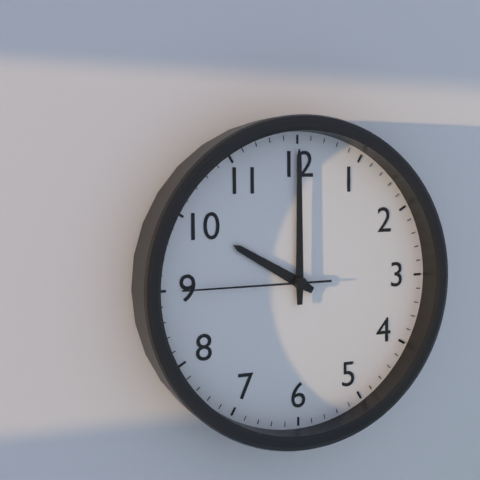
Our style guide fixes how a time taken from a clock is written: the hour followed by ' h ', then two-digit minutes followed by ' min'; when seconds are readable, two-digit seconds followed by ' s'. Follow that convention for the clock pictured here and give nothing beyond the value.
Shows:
10 h 00 min 45 s
